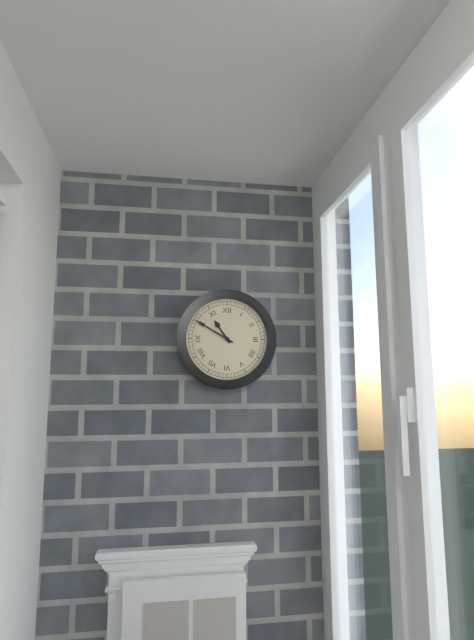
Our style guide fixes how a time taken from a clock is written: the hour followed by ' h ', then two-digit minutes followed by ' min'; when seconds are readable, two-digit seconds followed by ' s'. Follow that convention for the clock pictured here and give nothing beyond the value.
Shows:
10 h 50 min
